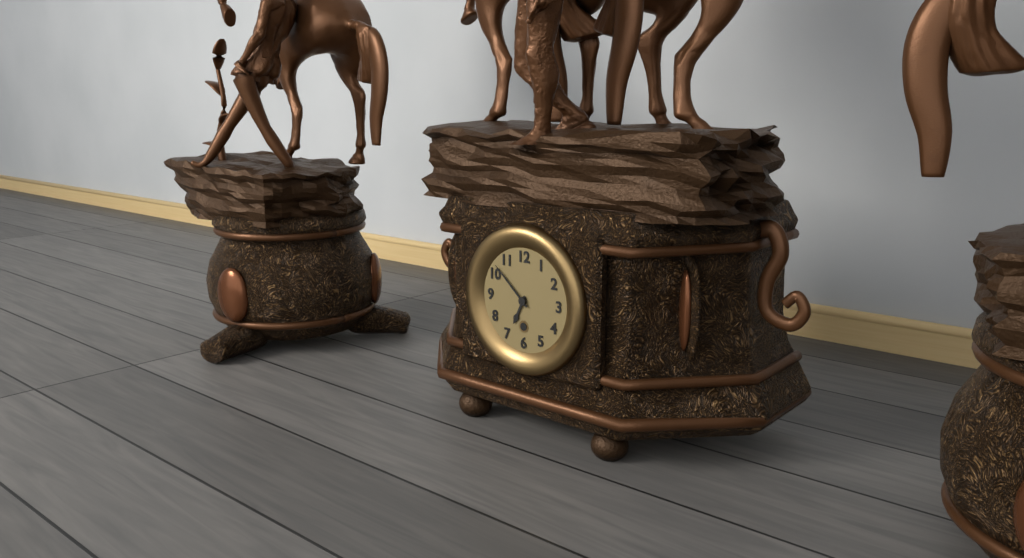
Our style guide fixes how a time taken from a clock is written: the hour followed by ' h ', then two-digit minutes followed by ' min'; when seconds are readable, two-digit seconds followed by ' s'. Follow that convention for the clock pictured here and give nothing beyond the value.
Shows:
6 h 52 min
